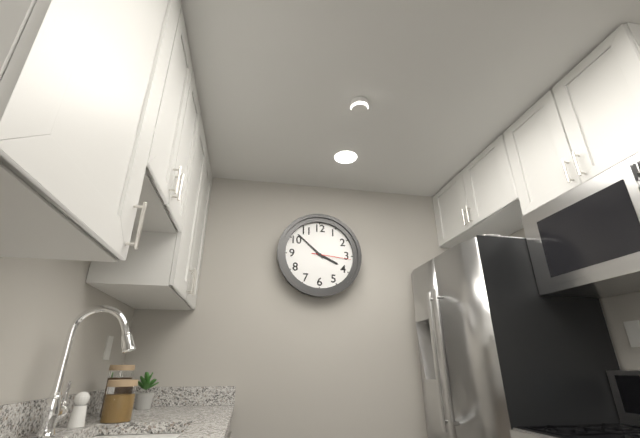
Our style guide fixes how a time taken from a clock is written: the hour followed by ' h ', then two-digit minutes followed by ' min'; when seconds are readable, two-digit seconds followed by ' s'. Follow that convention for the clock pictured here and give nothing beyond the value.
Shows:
3 h 52 min
